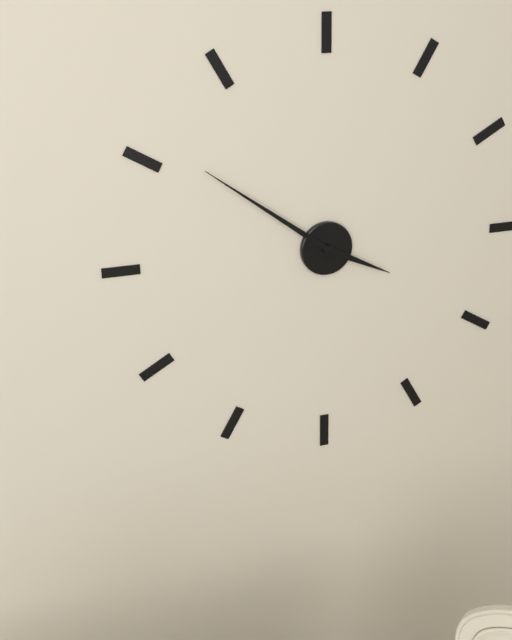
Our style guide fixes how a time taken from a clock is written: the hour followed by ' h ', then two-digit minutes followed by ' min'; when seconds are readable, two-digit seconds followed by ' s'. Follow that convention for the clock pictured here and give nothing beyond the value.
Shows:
3 h 51 min
